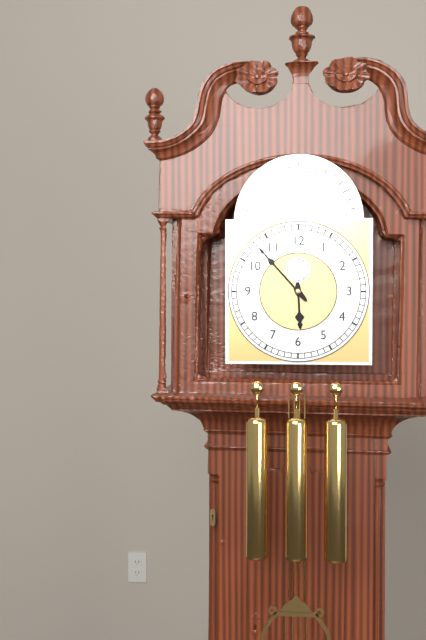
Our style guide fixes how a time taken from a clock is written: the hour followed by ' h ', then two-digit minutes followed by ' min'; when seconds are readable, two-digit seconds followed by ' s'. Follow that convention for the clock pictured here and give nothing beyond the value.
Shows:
5 h 53 min
